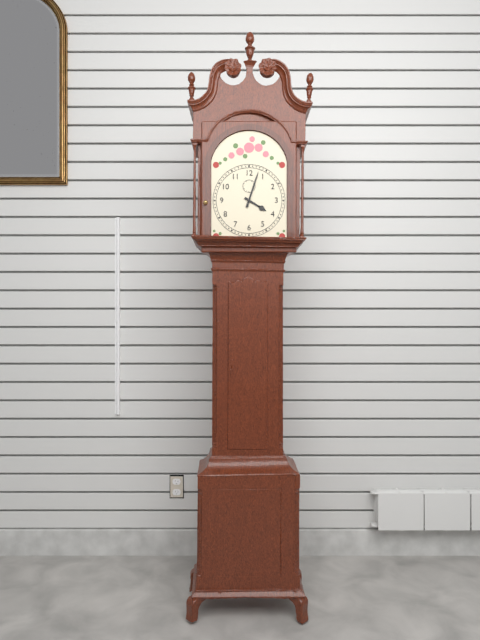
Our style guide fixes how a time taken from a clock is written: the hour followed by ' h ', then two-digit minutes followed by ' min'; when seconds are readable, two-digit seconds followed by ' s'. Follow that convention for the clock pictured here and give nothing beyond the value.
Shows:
4 h 03 min
